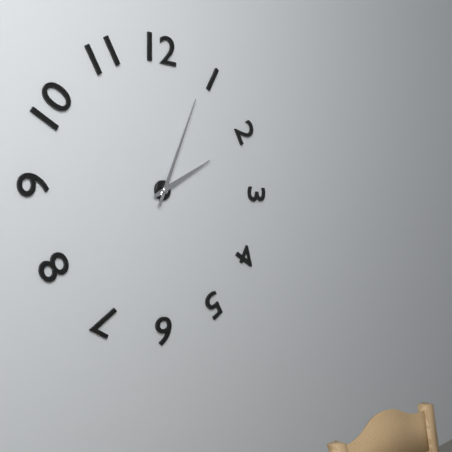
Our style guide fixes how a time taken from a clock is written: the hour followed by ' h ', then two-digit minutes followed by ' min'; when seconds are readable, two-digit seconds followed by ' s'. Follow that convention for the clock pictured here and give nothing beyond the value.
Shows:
2 h 04 min
